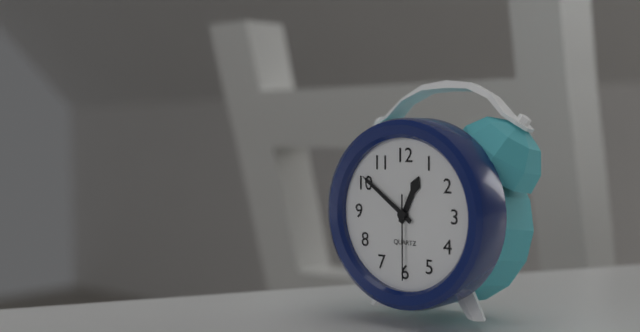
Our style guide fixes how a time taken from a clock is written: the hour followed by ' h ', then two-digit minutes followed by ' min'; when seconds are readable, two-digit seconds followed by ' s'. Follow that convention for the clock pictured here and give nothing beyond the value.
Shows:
12 h 51 min 30 s
